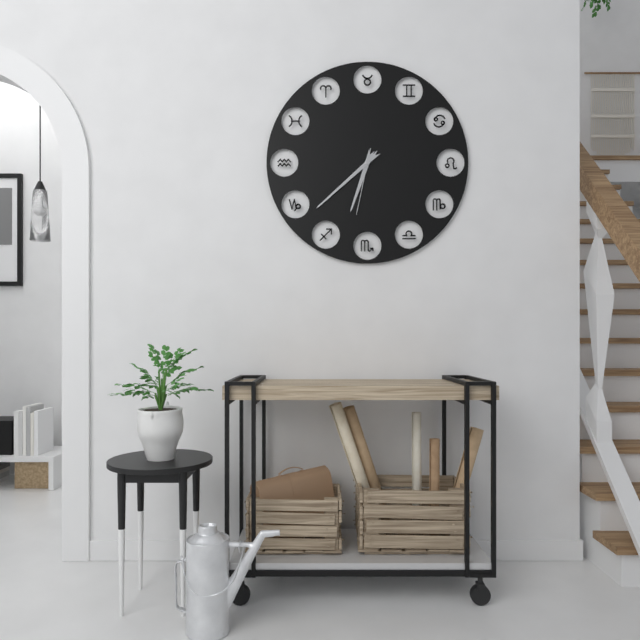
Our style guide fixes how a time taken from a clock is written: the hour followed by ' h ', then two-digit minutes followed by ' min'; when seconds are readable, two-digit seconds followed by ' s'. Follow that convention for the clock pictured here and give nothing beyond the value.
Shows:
6 h 38 min 32 s
